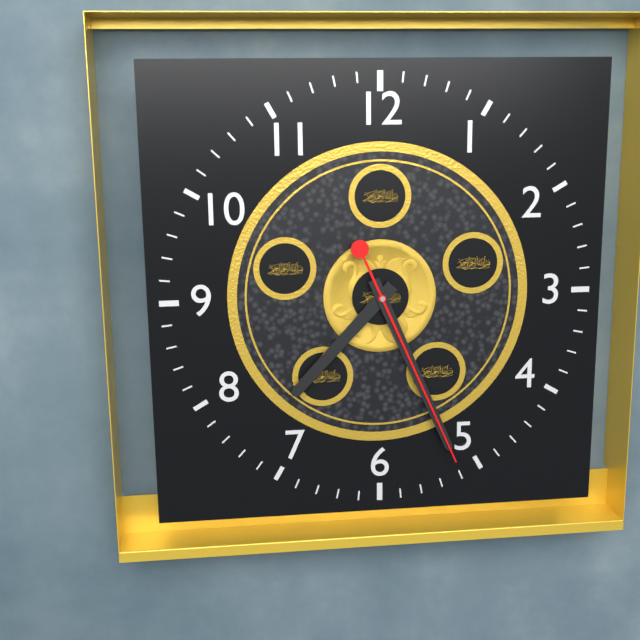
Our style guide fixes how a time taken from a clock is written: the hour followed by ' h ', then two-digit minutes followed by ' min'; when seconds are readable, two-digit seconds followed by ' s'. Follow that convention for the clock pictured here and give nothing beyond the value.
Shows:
7 h 26 min 26 s
